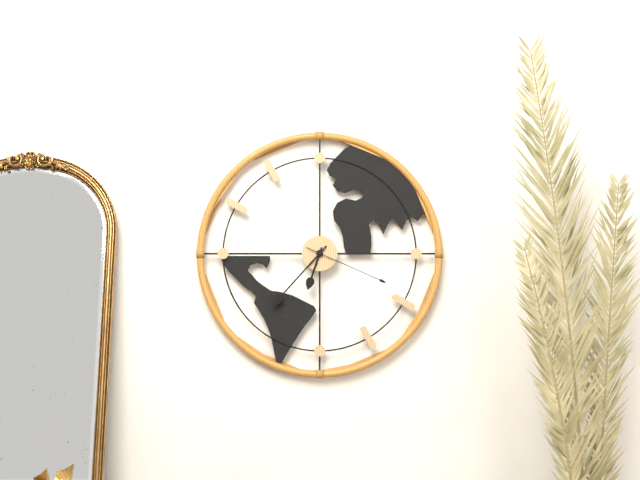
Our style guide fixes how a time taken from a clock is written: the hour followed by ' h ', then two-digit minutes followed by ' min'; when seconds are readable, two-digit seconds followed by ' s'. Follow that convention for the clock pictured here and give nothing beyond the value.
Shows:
6 h 37 min 19 s
